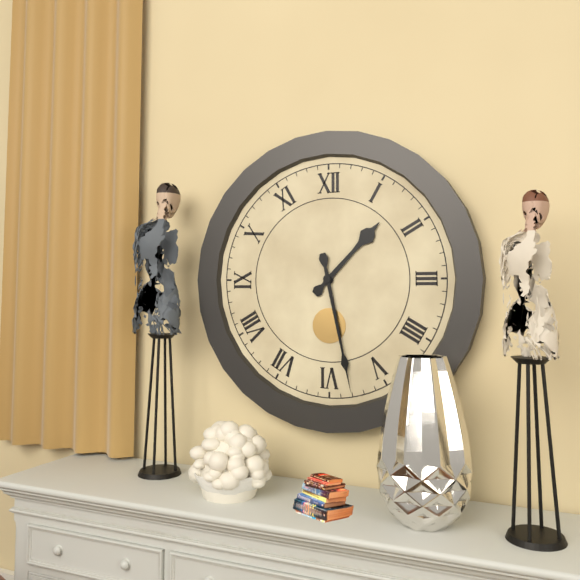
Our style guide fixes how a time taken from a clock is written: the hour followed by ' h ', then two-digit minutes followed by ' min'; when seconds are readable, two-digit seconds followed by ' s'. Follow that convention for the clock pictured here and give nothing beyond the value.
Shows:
1 h 28 min
